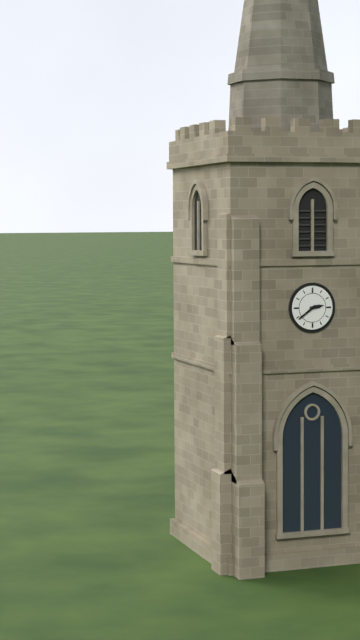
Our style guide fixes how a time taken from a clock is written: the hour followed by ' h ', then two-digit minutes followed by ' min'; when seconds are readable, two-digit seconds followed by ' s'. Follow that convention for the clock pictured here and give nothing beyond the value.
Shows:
2 h 39 min
